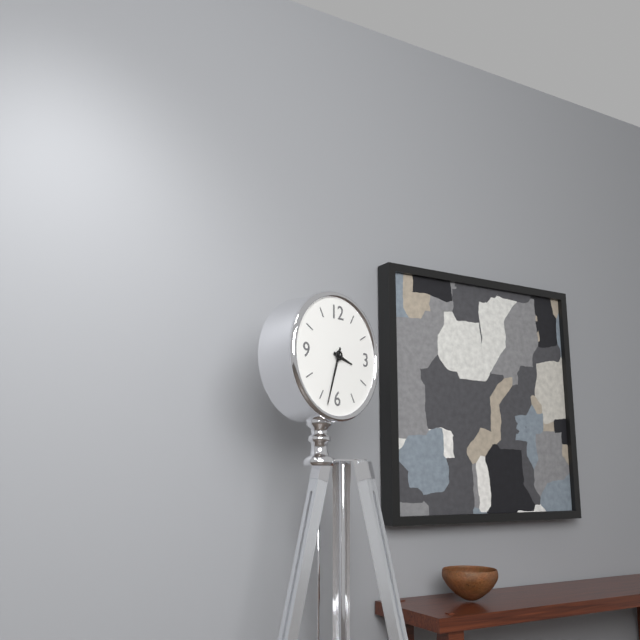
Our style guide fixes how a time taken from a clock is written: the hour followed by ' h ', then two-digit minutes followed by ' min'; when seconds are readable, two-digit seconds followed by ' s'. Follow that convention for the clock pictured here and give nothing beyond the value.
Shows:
3 h 33 min
